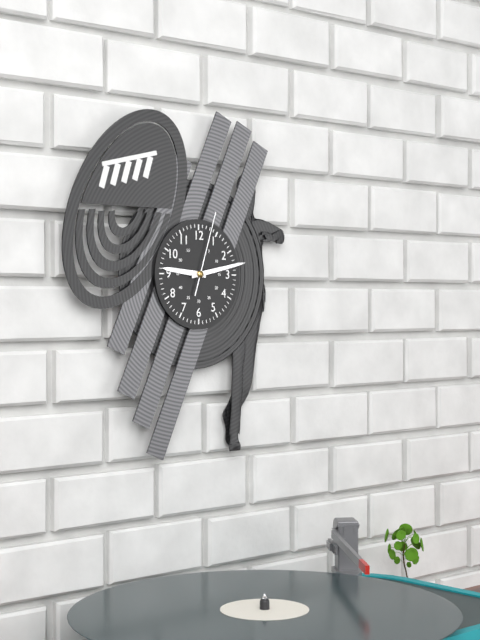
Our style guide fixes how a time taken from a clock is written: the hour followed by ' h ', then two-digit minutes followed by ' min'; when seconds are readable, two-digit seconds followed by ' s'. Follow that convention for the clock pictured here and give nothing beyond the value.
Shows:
9 h 13 min 03 s
